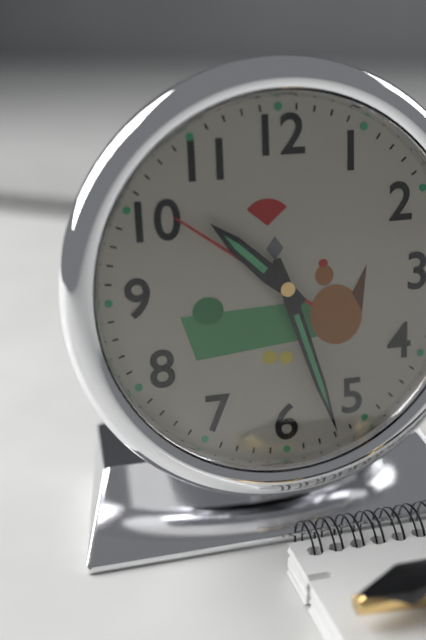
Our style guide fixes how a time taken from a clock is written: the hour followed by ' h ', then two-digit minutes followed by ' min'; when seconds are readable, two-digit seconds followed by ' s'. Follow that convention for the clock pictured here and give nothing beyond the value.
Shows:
10 h 27 min
